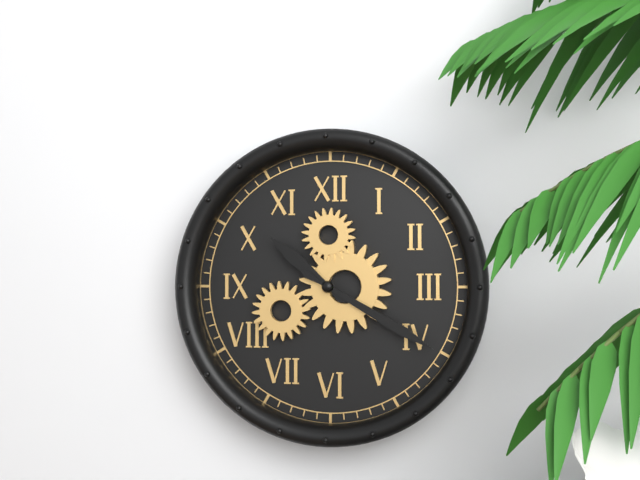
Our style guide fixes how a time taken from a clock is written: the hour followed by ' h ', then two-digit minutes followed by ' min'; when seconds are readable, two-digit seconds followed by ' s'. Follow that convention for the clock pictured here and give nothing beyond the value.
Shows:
10 h 20 min
